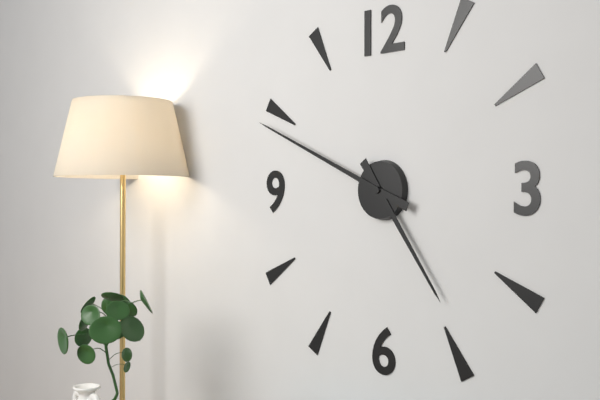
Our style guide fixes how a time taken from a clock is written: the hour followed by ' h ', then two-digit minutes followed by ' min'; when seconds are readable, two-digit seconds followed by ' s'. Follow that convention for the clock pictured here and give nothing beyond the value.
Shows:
4 h 49 min
